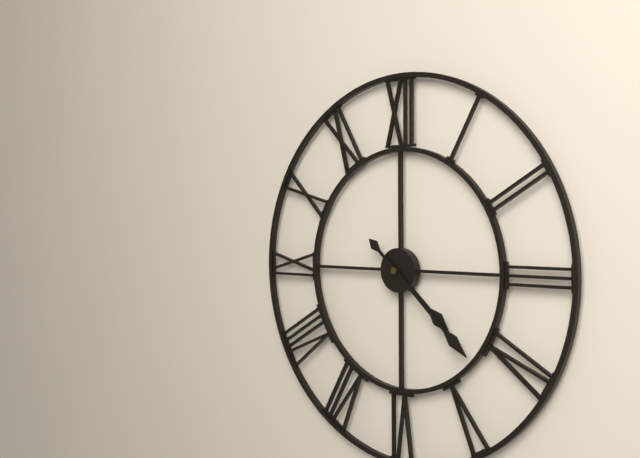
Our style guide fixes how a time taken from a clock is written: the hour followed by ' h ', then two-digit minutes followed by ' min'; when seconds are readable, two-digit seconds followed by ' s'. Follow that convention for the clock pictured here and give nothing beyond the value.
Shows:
4 h 22 min
